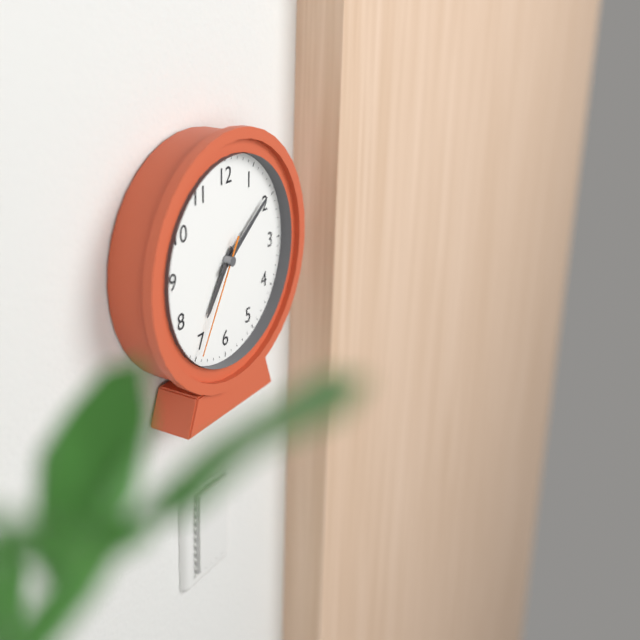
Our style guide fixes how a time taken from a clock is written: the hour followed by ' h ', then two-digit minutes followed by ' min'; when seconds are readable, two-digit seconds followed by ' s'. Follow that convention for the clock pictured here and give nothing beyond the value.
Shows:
7 h 09 min 35 s
